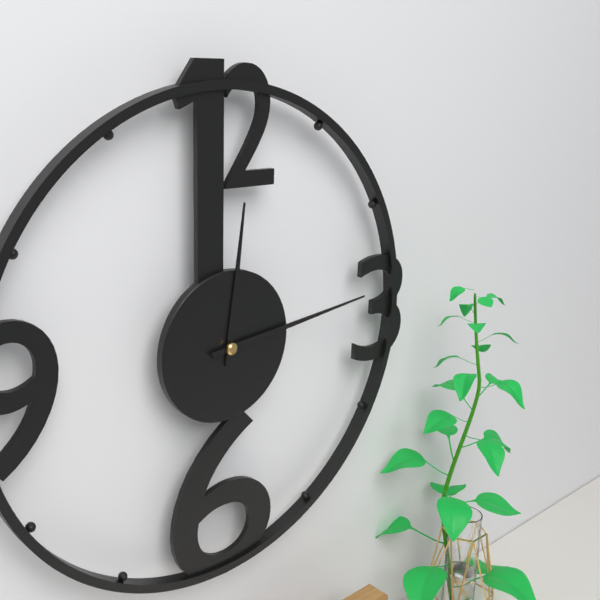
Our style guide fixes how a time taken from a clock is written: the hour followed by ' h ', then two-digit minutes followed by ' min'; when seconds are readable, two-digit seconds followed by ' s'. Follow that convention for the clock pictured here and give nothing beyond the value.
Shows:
12 h 14 min
